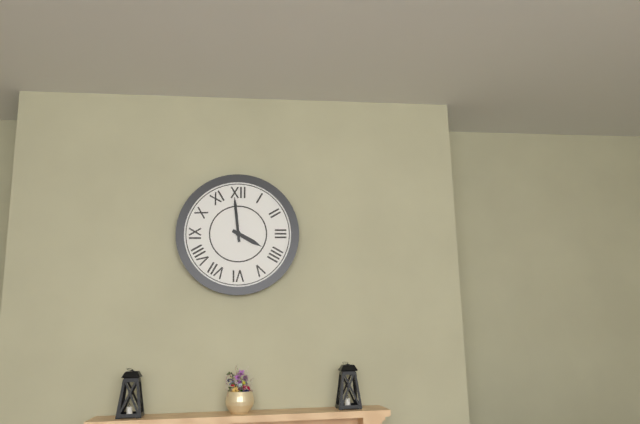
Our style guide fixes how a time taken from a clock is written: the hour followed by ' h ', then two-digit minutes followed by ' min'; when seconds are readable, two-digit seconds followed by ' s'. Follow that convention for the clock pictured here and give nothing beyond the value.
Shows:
3 h 59 min
